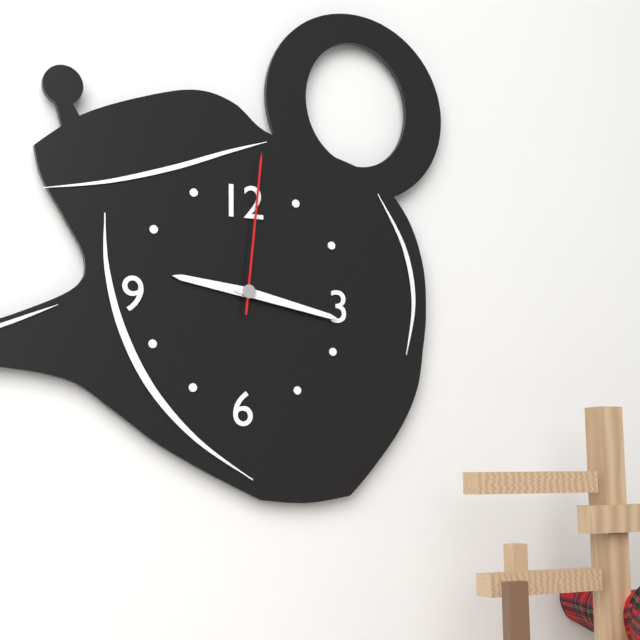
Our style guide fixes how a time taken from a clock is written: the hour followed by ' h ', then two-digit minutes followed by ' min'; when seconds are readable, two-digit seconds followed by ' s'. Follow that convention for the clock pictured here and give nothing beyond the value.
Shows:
9 h 17 min 01 s
